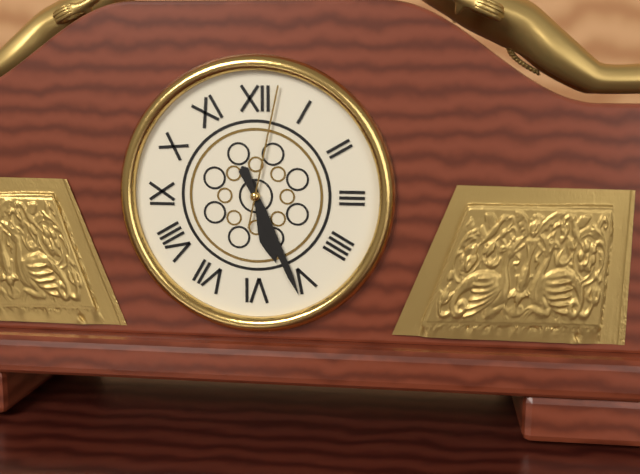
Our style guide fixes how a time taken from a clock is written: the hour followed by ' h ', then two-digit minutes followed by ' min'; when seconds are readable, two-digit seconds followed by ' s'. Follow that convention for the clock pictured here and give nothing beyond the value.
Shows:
5 h 26 min 02 s
